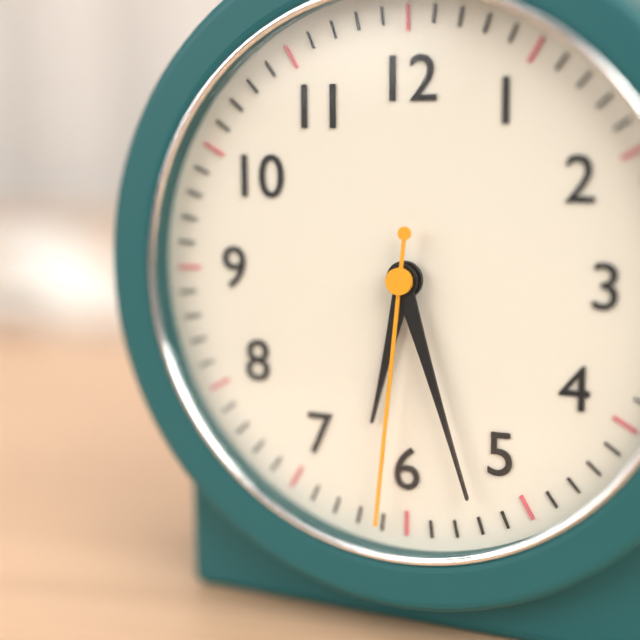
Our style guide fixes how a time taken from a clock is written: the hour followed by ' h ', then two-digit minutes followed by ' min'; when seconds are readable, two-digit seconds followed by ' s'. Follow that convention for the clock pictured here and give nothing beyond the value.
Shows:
6 h 27 min 31 s
